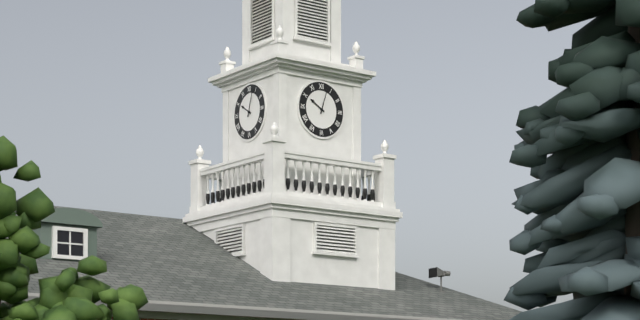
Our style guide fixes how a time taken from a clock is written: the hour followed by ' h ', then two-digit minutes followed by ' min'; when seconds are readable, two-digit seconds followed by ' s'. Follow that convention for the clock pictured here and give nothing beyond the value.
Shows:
10 h 03 min
